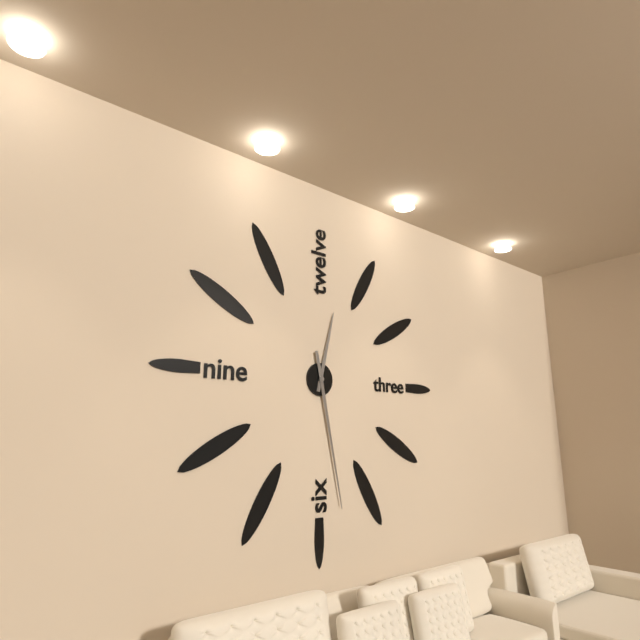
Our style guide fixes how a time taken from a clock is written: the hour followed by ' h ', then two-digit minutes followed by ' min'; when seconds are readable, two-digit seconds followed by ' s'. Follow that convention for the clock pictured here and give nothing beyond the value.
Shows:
12 h 28 min
